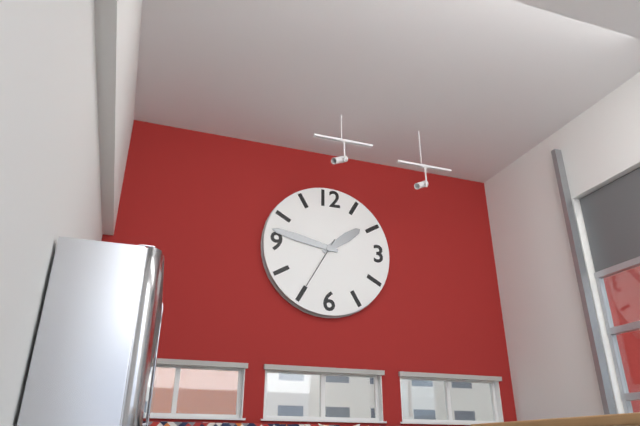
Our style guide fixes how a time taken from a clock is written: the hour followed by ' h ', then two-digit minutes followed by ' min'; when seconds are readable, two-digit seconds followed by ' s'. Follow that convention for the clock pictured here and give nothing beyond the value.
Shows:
1 h 47 min 35 s
